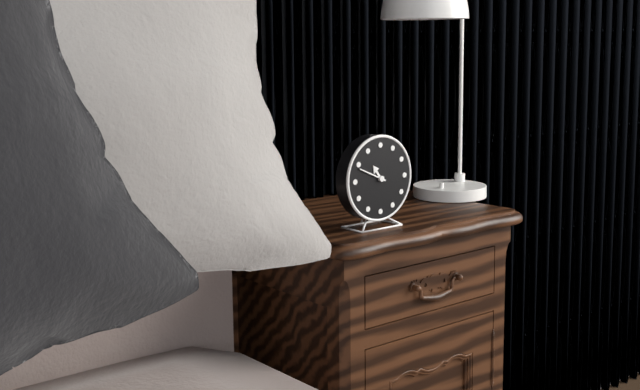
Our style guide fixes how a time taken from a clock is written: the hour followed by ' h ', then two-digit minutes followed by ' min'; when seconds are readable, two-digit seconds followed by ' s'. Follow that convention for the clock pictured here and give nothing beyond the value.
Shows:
10 h 49 min
